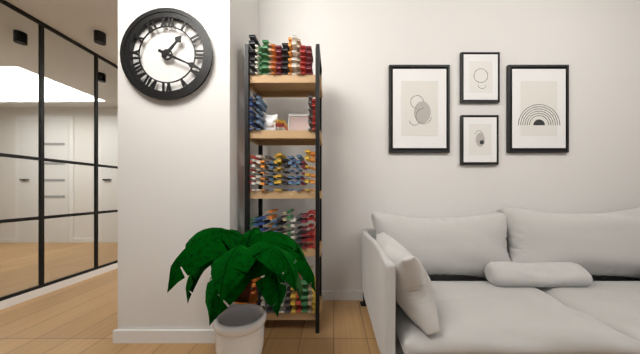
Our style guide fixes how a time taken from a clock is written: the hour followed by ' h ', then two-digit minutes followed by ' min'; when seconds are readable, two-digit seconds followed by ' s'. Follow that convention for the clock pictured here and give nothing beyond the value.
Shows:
1 h 19 min
